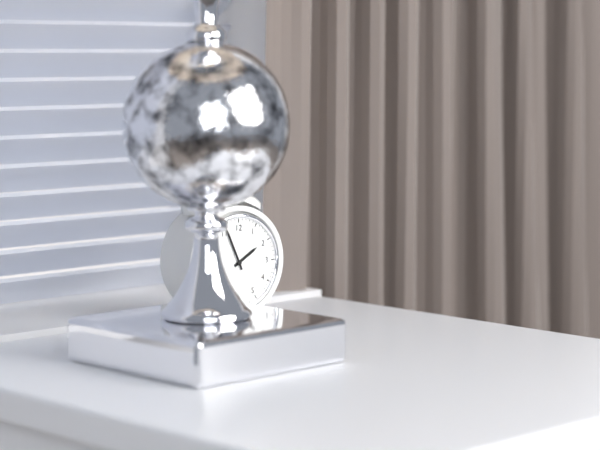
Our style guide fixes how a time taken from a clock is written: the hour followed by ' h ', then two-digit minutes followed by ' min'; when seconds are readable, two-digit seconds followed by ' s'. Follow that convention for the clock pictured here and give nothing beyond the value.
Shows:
1 h 56 min
